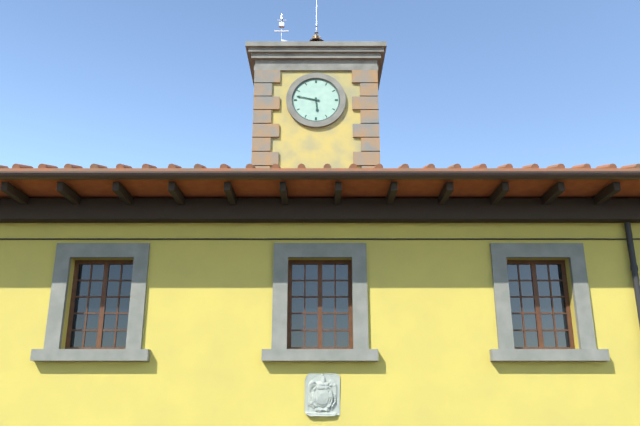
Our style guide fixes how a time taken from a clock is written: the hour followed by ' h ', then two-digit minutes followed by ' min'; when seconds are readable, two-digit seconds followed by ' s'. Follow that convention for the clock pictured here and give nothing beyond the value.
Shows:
5 h 47 min
